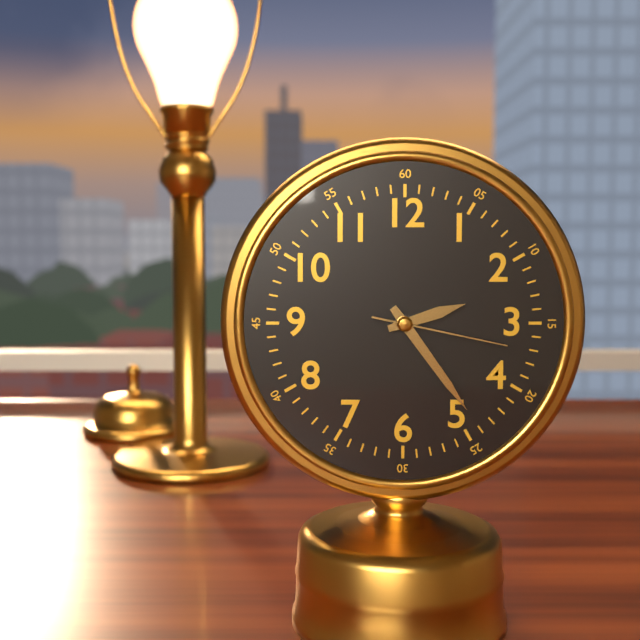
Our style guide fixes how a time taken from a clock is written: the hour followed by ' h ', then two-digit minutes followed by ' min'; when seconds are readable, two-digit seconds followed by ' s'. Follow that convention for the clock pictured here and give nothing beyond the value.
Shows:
2 h 24 min 17 s
